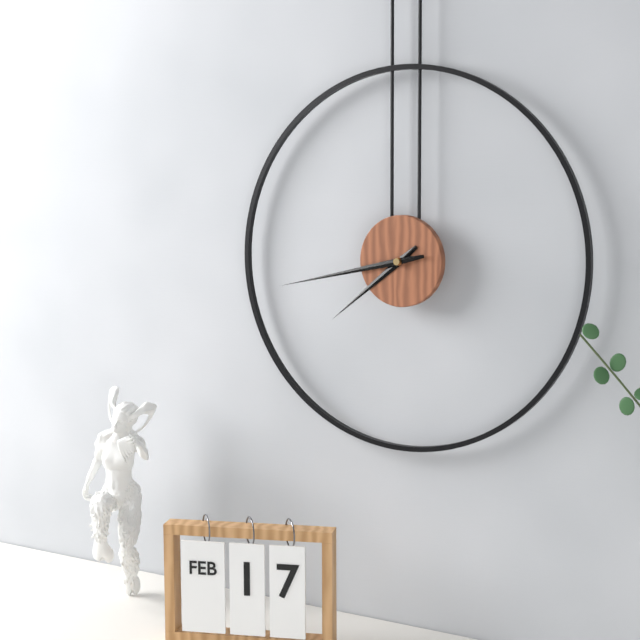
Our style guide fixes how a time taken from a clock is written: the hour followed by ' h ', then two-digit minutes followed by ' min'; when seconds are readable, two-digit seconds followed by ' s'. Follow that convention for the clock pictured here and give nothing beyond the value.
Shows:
7 h 43 min
